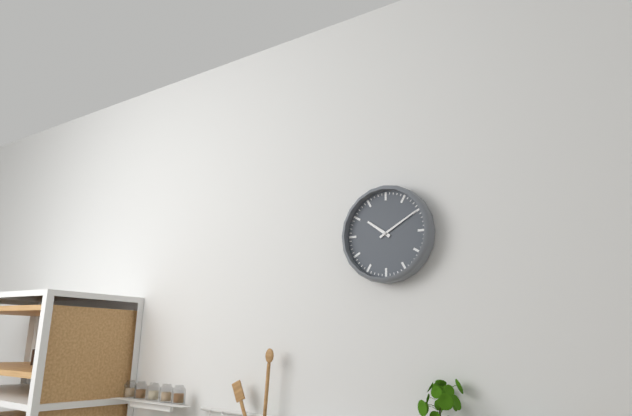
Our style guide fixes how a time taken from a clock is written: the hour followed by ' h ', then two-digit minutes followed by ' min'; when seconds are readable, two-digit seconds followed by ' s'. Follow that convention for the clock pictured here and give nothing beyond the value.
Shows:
10 h 10 min
